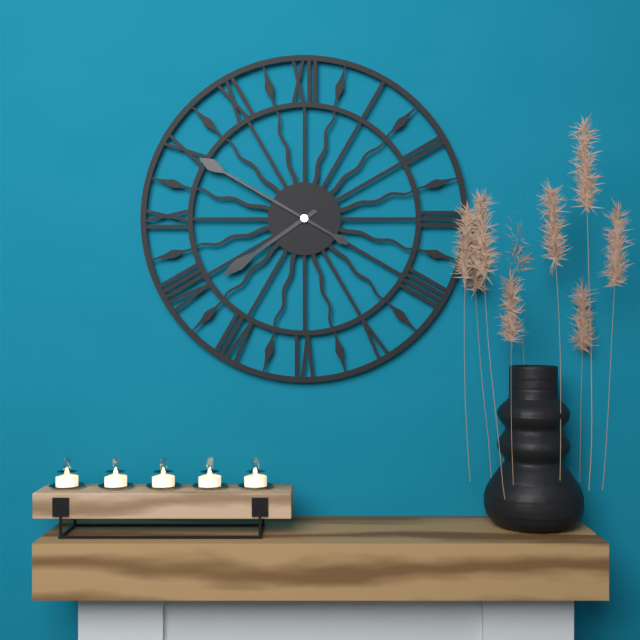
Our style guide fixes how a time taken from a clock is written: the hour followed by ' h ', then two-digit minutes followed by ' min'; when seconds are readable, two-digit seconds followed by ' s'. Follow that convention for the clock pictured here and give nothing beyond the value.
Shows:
7 h 50 min
